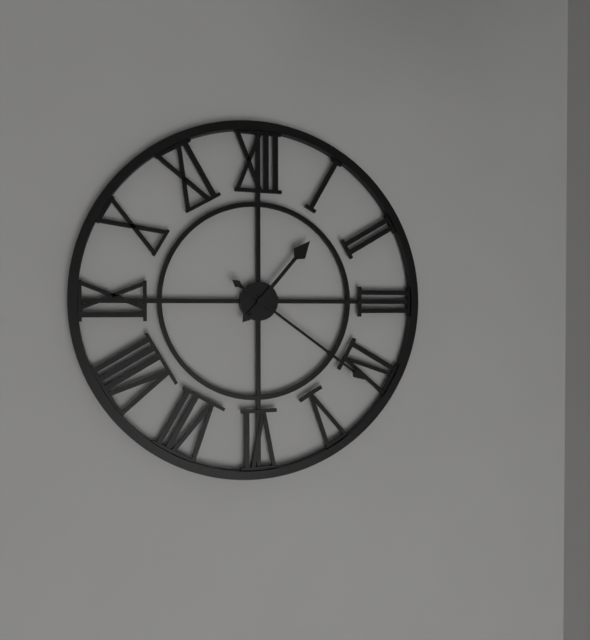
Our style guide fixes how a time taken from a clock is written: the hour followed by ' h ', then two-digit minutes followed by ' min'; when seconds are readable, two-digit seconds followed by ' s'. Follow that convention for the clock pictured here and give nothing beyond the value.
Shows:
1 h 21 min
